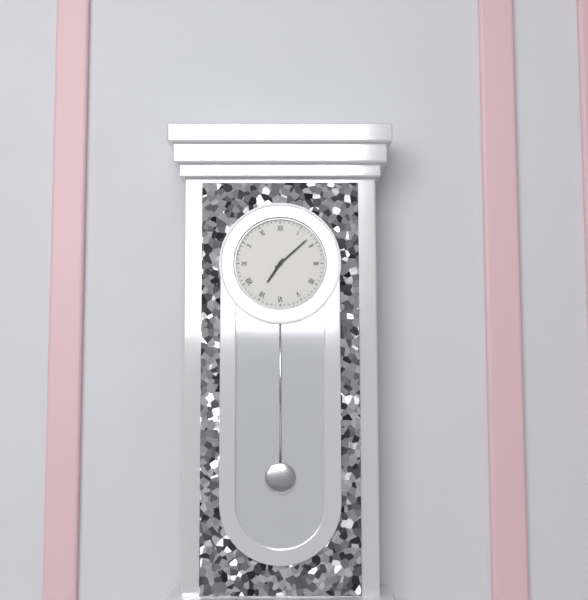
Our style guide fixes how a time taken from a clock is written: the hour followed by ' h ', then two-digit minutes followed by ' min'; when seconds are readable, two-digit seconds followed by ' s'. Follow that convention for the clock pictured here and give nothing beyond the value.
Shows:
7 h 08 min
